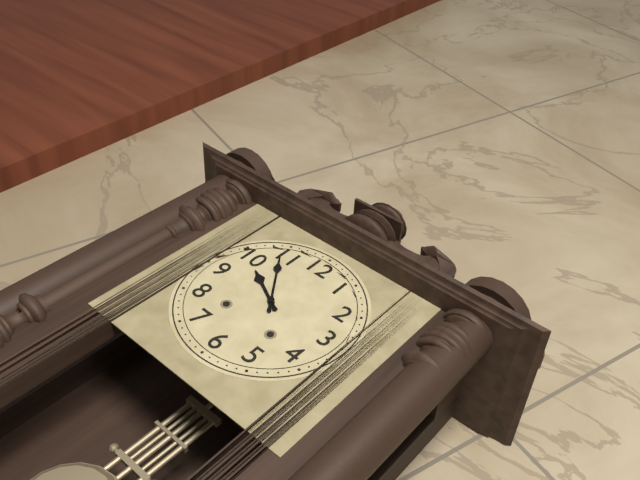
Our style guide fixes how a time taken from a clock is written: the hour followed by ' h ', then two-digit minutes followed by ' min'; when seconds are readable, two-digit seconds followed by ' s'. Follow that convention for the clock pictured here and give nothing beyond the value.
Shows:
9 h 54 min
